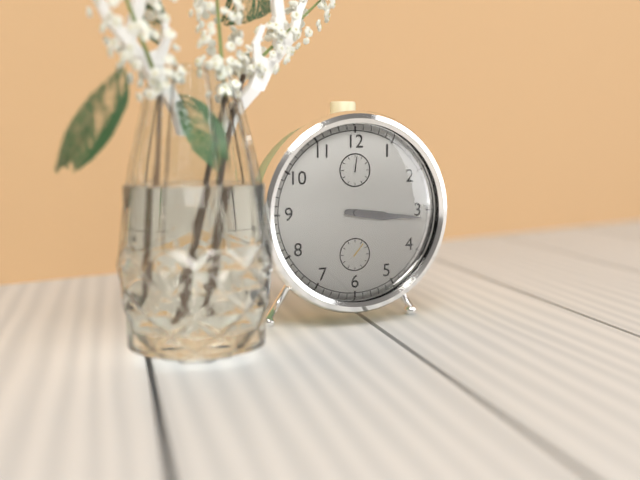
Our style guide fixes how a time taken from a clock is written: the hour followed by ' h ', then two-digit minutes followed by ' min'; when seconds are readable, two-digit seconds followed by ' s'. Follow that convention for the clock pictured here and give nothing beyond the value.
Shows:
3 h 16 min
